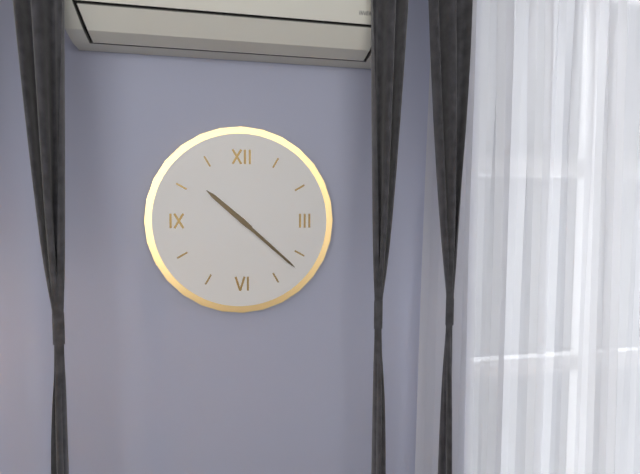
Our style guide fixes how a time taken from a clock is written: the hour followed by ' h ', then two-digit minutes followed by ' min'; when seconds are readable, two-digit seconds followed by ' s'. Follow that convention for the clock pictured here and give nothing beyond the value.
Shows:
10 h 22 min
